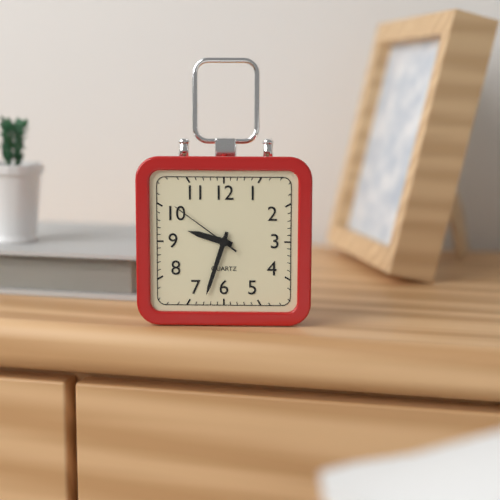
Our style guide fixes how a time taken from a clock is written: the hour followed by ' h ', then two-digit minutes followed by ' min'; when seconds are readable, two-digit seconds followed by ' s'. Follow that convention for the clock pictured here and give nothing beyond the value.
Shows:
9 h 33 min 51 s
